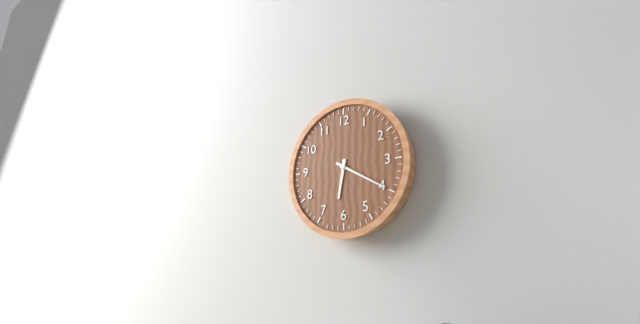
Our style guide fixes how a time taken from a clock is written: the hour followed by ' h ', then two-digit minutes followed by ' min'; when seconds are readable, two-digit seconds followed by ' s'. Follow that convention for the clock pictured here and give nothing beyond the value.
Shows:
6 h 20 min
